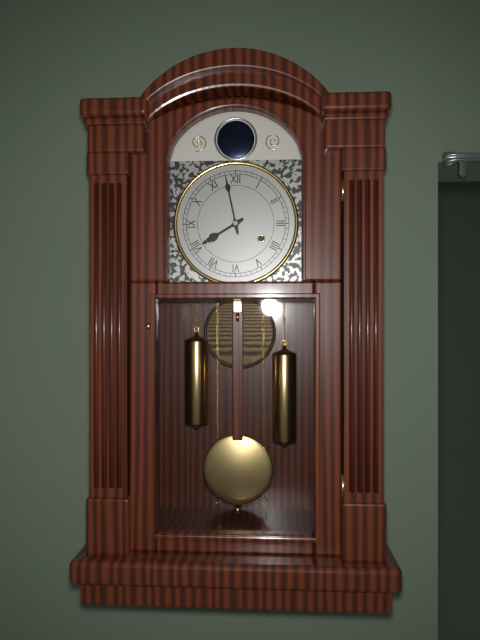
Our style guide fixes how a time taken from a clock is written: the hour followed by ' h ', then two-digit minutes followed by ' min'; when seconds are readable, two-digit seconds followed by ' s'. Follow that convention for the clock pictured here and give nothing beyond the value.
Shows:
7 h 58 min
